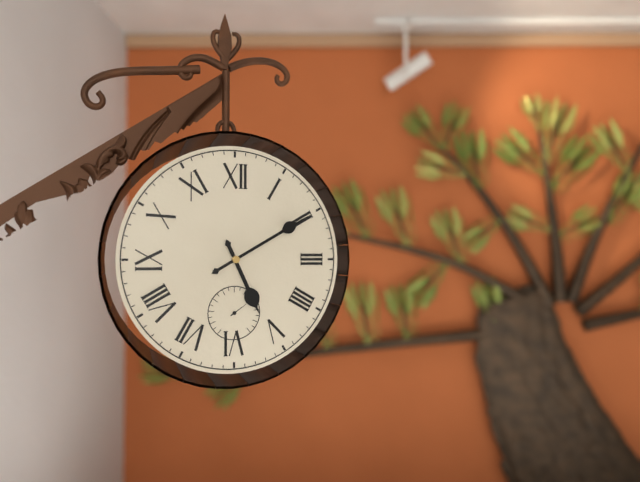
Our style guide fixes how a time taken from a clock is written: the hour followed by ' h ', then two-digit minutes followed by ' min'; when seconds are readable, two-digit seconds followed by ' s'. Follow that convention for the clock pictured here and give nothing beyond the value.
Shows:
5 h 10 min
